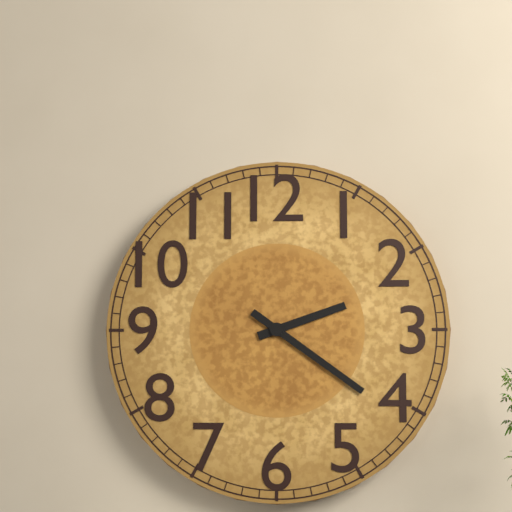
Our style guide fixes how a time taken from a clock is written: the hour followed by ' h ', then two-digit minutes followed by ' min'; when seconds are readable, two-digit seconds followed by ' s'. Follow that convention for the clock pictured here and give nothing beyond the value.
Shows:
2 h 21 min
